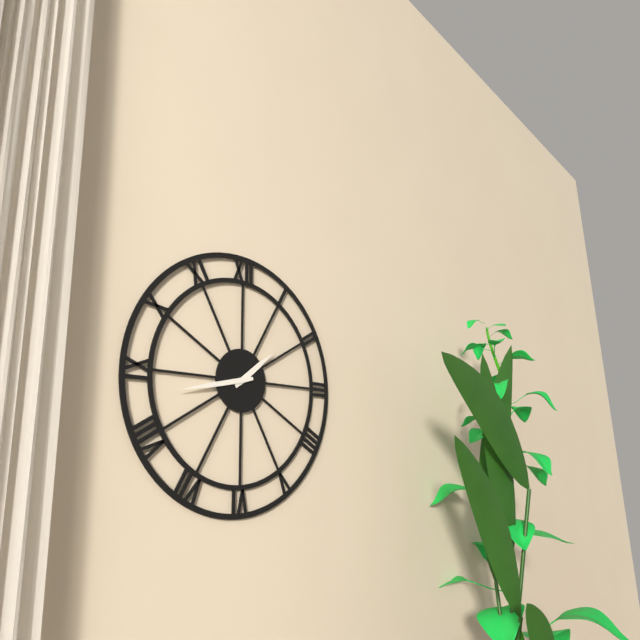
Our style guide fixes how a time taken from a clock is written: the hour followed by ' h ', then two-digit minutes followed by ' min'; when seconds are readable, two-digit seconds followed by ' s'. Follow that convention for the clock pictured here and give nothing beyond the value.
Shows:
1 h 43 min
